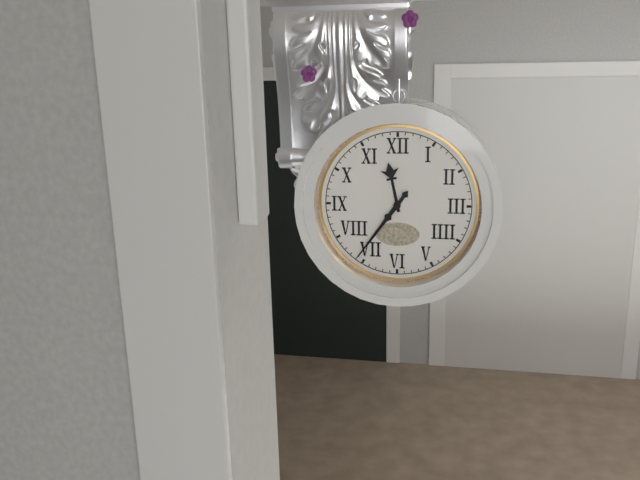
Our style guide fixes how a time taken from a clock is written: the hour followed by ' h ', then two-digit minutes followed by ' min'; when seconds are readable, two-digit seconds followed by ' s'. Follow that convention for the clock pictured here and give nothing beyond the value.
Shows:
11 h 36 min
